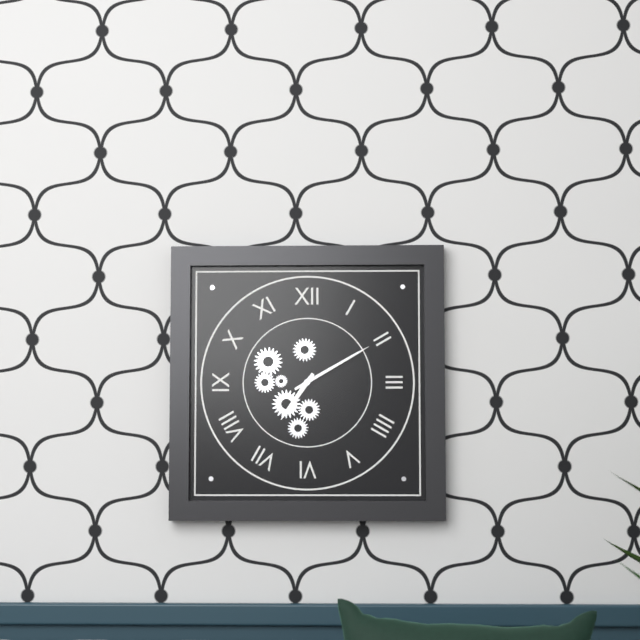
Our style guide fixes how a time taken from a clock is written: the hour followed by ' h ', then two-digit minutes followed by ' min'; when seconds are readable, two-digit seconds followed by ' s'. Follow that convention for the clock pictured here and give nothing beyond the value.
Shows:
7 h 10 min
